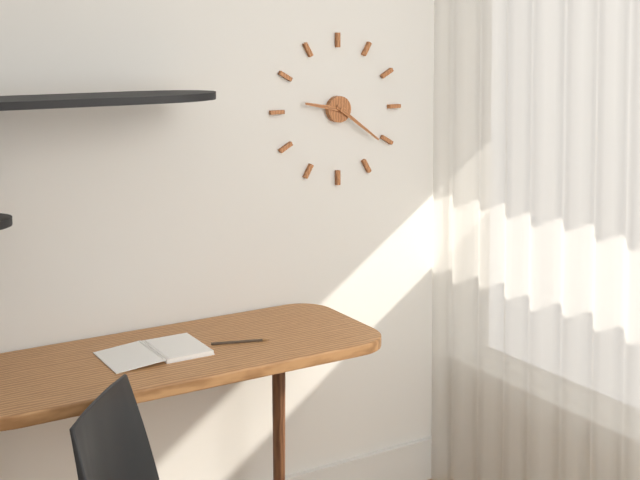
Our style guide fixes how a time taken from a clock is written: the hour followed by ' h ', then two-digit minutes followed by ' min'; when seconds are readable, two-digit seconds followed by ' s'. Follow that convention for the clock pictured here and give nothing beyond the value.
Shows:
9 h 21 min
